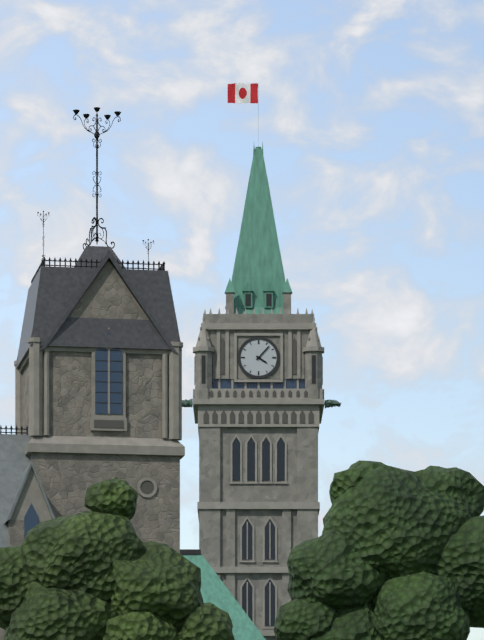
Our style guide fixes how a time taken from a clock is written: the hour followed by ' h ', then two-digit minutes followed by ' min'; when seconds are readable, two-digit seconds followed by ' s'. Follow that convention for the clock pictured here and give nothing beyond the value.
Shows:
4 h 07 min
